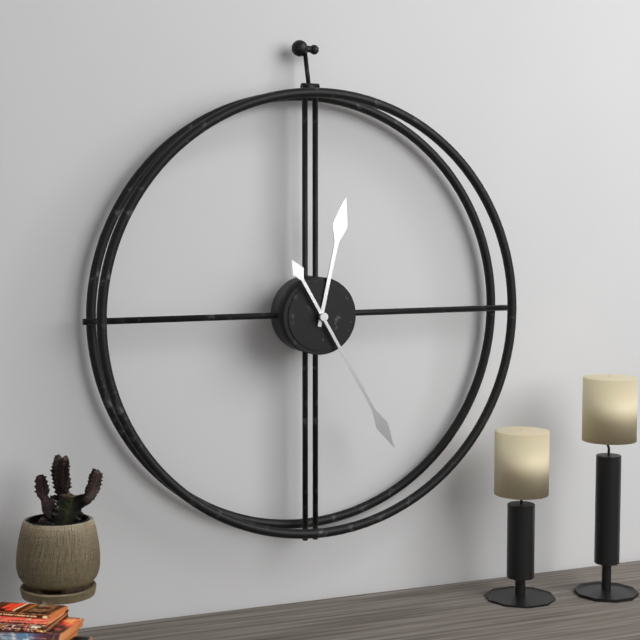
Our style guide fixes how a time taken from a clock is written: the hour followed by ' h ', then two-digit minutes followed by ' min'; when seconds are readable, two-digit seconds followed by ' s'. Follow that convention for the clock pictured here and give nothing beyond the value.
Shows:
12 h 25 min
